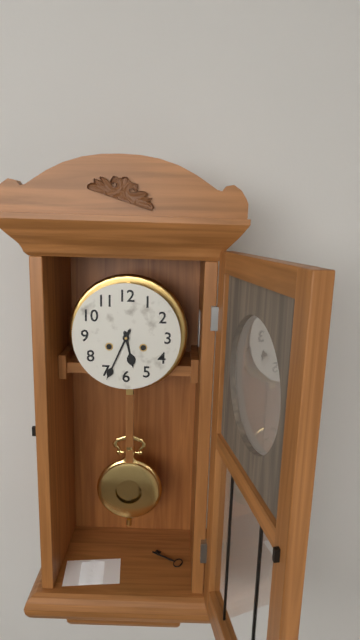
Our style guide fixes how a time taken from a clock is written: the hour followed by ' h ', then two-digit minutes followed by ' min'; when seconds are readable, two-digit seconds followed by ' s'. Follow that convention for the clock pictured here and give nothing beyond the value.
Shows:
5 h 34 min
